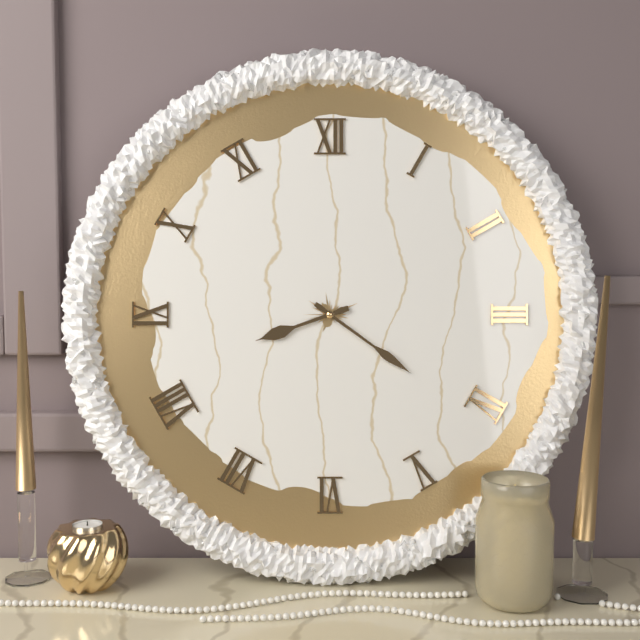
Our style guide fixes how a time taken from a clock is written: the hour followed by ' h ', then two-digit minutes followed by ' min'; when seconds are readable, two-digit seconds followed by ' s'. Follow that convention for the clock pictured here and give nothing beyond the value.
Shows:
8 h 21 min
